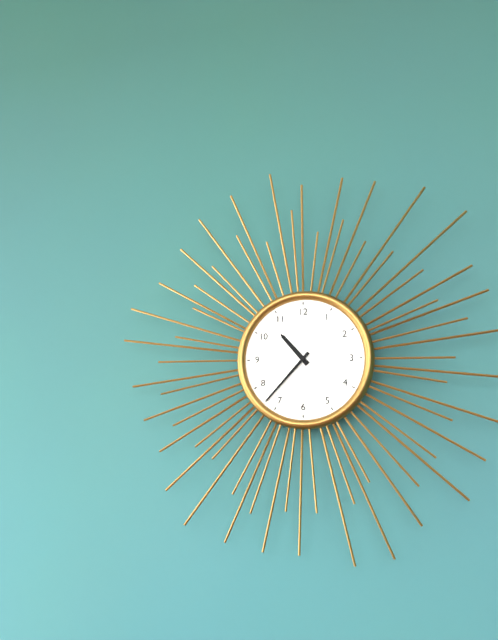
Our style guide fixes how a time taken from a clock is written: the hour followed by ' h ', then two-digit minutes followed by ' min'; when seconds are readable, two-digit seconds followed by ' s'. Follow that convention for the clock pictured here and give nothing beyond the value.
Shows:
10 h 37 min
